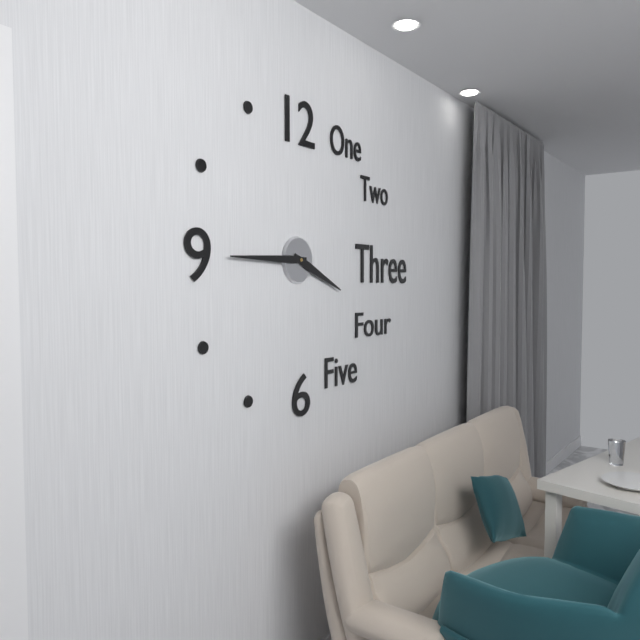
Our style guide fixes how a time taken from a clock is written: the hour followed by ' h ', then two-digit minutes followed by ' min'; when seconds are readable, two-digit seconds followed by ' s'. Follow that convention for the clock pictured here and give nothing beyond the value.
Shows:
3 h 45 min
